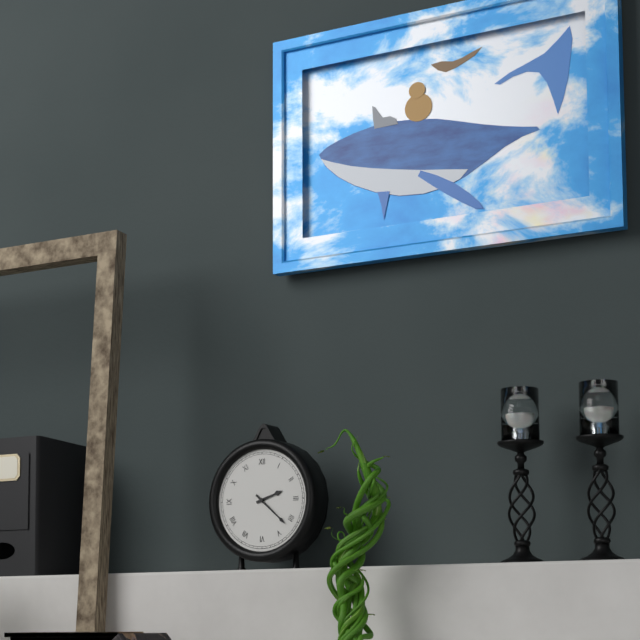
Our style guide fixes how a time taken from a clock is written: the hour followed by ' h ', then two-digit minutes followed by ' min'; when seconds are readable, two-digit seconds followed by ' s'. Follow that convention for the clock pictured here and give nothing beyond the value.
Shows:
2 h 22 min
